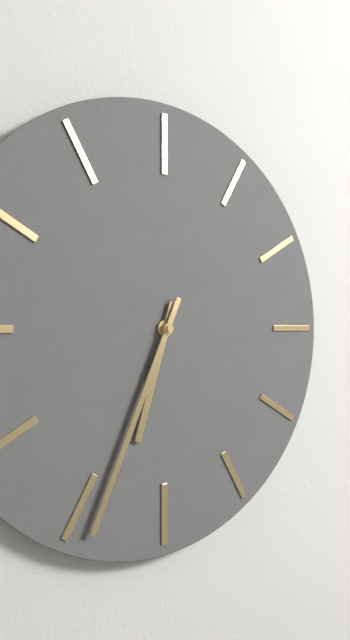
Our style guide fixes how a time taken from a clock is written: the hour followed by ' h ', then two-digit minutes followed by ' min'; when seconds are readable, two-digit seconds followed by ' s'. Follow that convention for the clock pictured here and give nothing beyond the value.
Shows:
6 h 34 min
